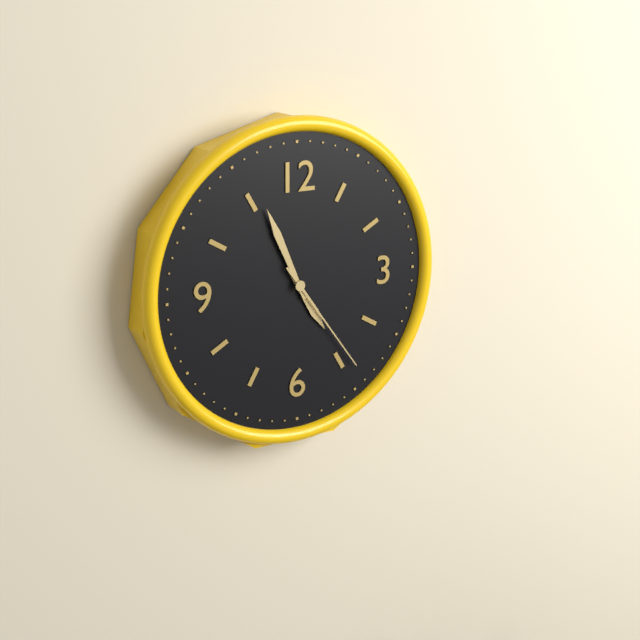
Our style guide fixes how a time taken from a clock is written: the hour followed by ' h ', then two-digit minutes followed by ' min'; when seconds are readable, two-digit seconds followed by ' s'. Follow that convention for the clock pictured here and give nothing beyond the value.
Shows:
4 h 56 min 24 s
